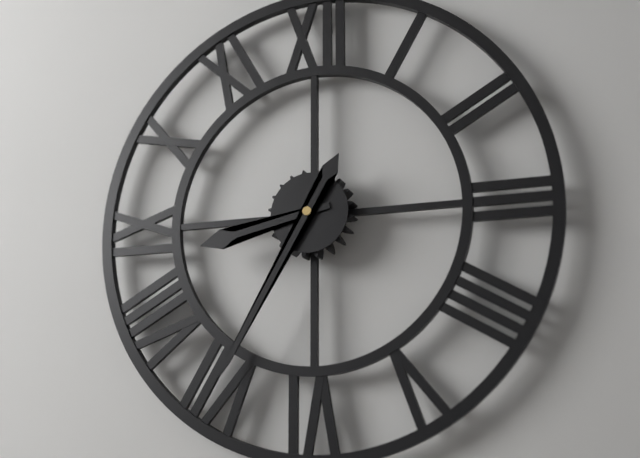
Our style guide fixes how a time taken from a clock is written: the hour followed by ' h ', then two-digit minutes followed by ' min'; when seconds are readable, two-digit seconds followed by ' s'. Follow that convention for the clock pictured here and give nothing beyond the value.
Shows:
8 h 35 min
